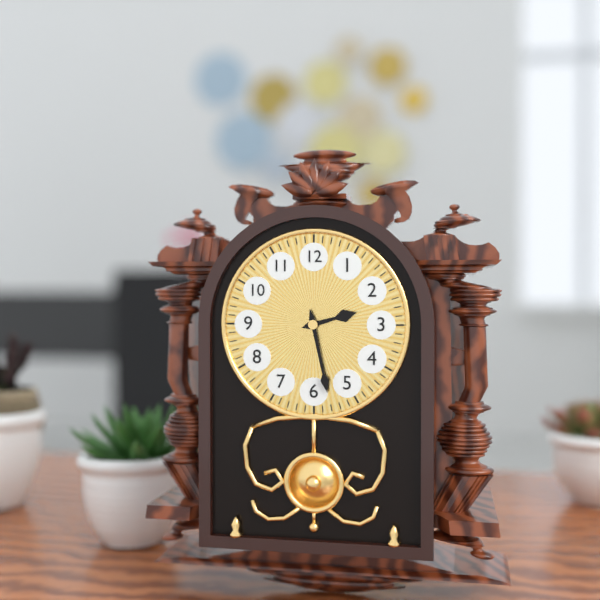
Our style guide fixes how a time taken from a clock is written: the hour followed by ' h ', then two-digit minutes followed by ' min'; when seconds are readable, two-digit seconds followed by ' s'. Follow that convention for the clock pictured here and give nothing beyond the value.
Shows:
2 h 28 min
